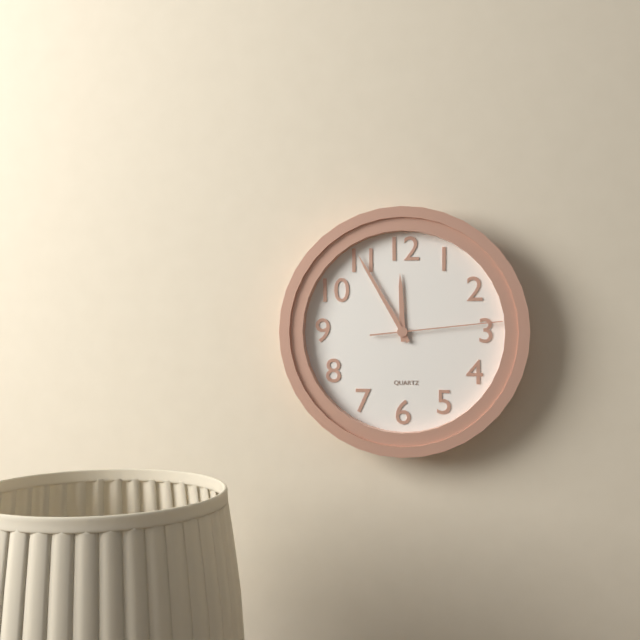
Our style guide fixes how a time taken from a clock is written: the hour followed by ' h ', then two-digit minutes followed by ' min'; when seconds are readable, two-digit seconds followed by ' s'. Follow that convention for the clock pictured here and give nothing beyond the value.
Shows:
11 h 55 min 14 s
